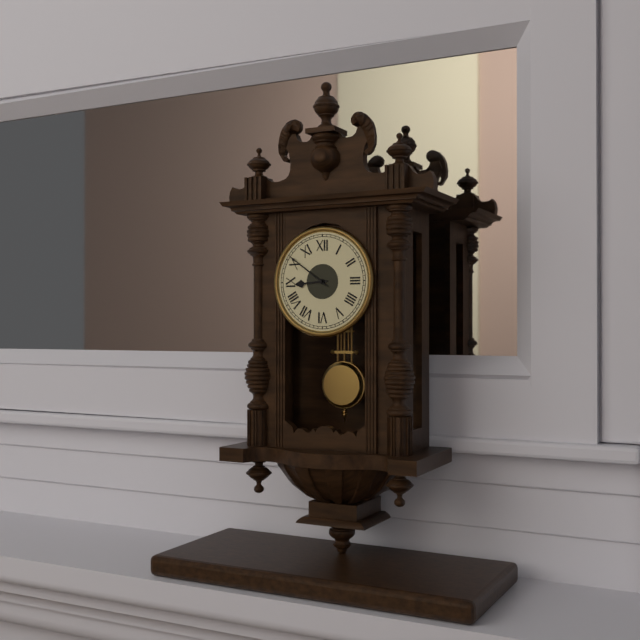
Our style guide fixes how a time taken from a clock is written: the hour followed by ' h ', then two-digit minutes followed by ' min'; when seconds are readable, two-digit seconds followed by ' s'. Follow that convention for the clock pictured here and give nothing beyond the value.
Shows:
8 h 51 min
